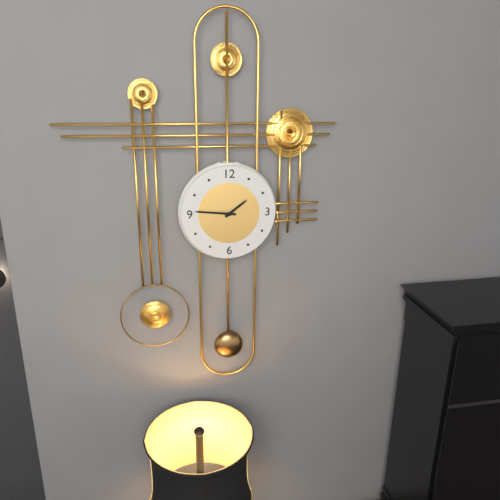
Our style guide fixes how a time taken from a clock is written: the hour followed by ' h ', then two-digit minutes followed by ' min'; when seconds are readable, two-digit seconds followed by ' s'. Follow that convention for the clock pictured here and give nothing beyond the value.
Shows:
1 h 46 min
